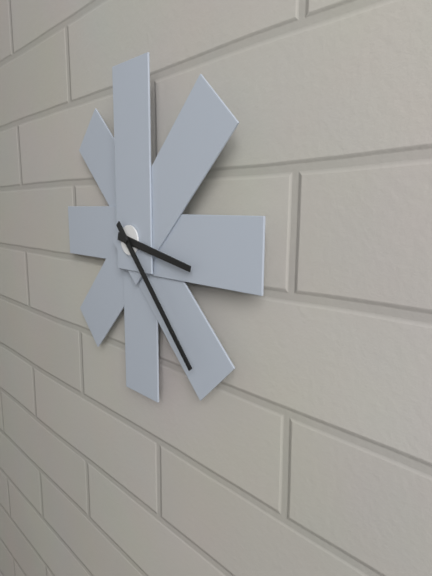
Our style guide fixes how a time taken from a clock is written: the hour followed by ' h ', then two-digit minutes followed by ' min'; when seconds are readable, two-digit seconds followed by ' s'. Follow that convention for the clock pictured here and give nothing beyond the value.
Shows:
3 h 23 min
